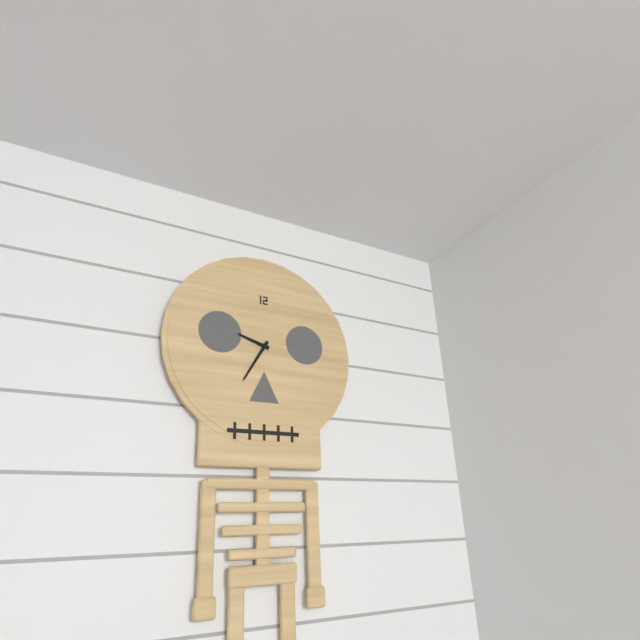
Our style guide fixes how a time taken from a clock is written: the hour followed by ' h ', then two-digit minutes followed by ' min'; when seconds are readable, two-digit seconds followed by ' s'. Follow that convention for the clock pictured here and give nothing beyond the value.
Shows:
9 h 35 min
